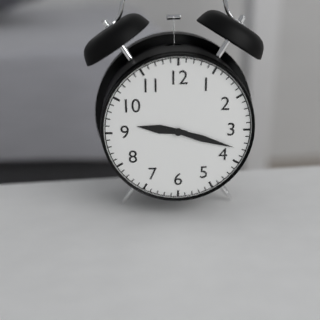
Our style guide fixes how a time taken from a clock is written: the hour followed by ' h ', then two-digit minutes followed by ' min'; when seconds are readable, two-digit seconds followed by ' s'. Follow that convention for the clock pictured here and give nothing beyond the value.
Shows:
9 h 18 min
